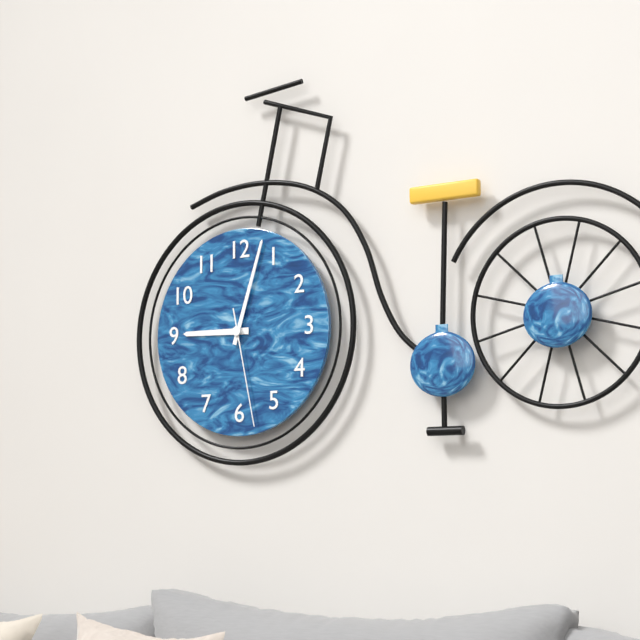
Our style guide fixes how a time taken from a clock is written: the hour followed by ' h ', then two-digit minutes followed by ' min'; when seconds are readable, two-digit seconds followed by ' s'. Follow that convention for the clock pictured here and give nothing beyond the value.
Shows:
9 h 03 min 28 s
